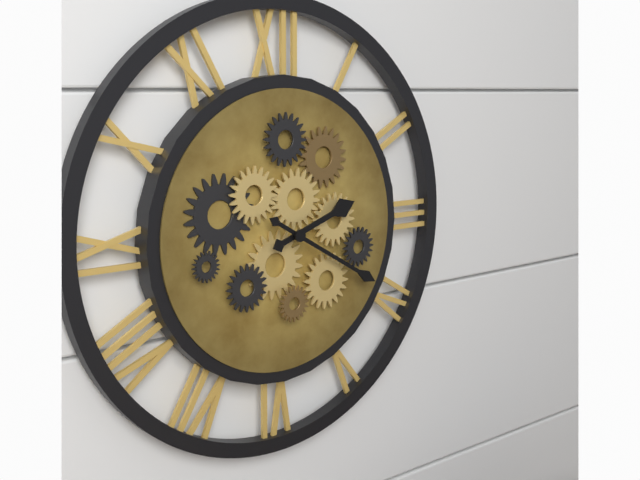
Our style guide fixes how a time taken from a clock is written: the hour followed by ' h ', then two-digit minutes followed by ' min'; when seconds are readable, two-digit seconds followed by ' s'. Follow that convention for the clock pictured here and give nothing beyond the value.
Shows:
2 h 20 min
